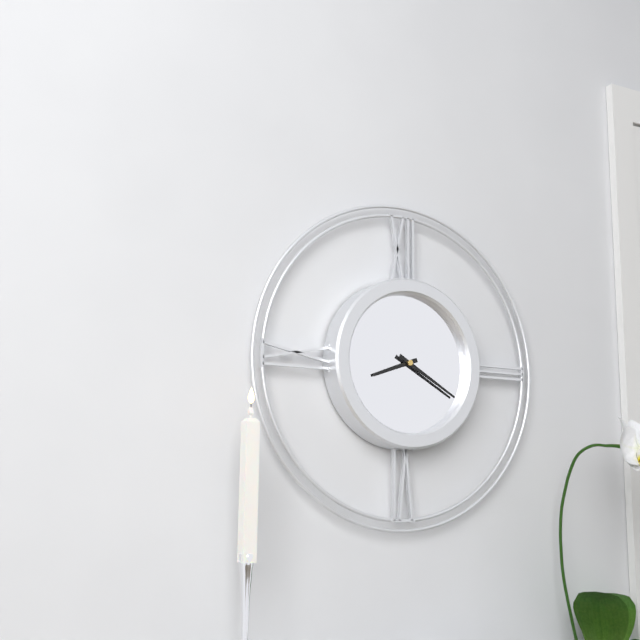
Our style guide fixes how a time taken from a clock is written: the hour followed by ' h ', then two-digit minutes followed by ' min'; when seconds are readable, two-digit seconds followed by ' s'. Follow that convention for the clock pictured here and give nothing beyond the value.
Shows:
8 h 20 min
